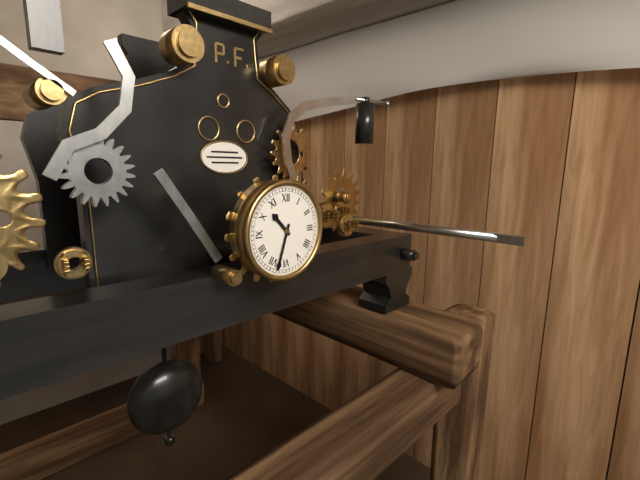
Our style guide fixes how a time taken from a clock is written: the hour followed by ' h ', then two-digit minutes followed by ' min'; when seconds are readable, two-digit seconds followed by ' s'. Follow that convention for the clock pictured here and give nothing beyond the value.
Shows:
10 h 33 min
